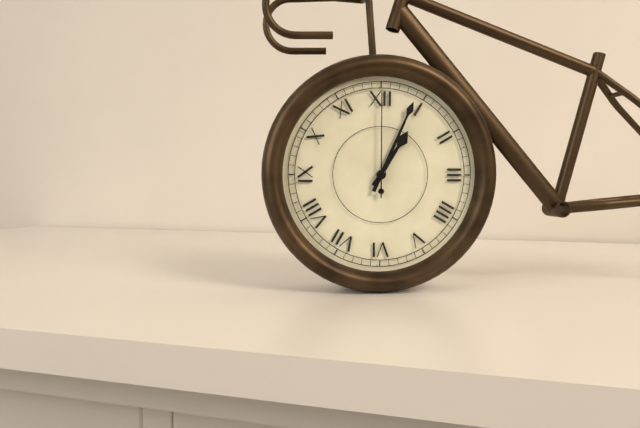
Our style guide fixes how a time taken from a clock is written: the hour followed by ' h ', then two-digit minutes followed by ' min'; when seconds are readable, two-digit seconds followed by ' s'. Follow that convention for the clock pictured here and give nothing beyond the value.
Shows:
1 h 04 min 00 s
